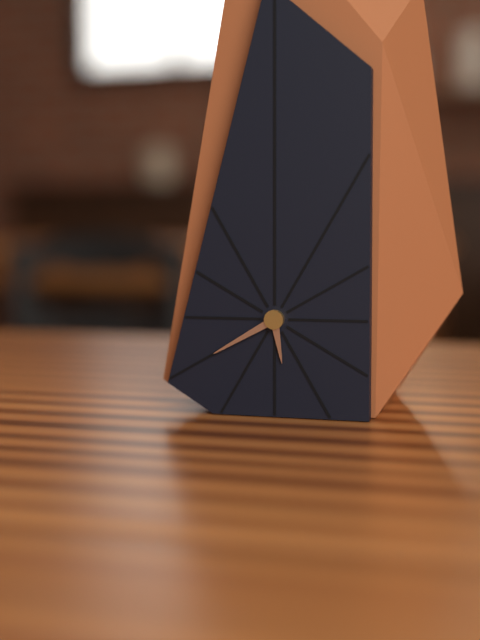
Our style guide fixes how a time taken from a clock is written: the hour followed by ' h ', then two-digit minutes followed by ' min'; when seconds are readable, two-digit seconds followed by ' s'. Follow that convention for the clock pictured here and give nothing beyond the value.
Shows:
5 h 40 min
